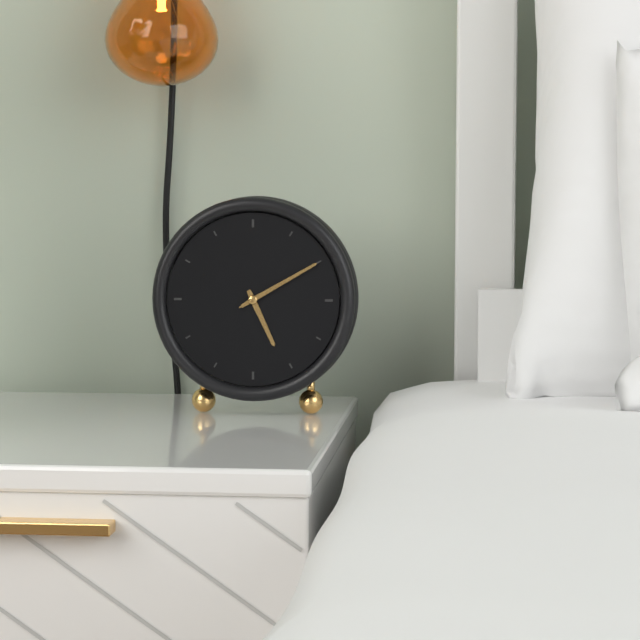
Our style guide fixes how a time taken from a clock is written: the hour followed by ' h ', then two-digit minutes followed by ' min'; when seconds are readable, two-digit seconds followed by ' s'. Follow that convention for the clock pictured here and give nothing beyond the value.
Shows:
5 h 10 min 10 s
